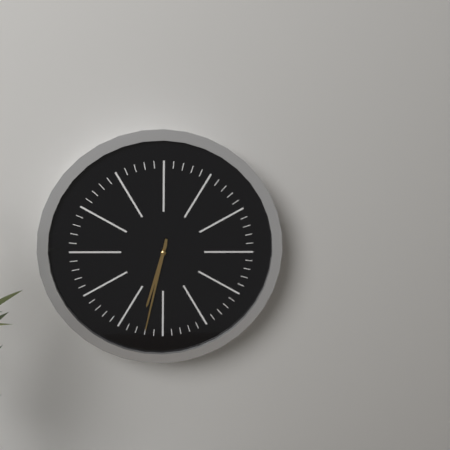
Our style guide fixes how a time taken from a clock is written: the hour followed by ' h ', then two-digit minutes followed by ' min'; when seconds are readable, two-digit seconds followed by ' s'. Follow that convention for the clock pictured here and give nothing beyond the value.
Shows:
6 h 32 min
